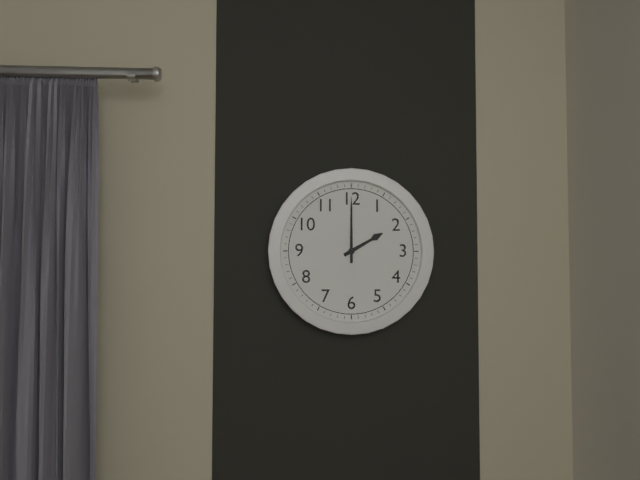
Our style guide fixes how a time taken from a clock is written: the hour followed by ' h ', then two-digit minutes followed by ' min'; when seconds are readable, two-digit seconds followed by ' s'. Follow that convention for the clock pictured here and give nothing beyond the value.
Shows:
2 h 00 min
